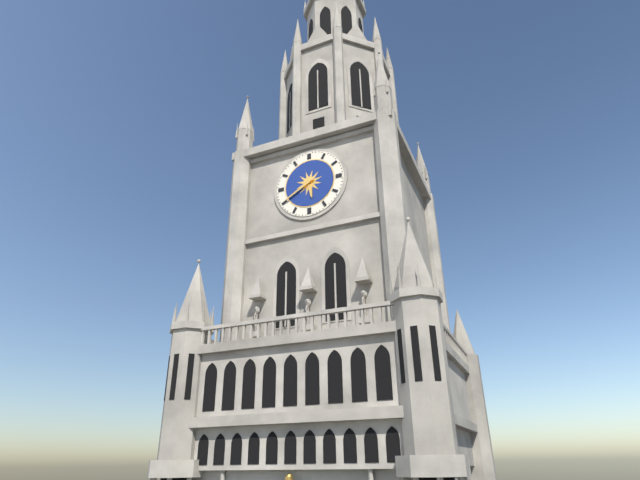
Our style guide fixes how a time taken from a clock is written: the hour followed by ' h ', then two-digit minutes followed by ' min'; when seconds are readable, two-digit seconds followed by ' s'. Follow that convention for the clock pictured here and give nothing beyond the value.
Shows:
5 h 40 min
